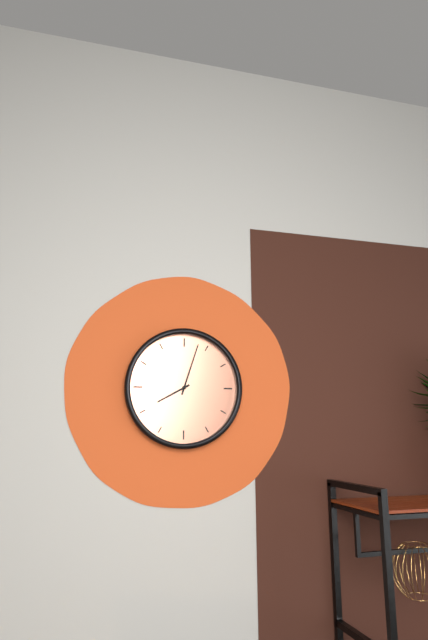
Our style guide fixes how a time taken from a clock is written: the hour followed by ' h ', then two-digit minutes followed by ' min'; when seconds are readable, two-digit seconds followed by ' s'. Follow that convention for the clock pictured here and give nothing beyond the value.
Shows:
8 h 03 min
